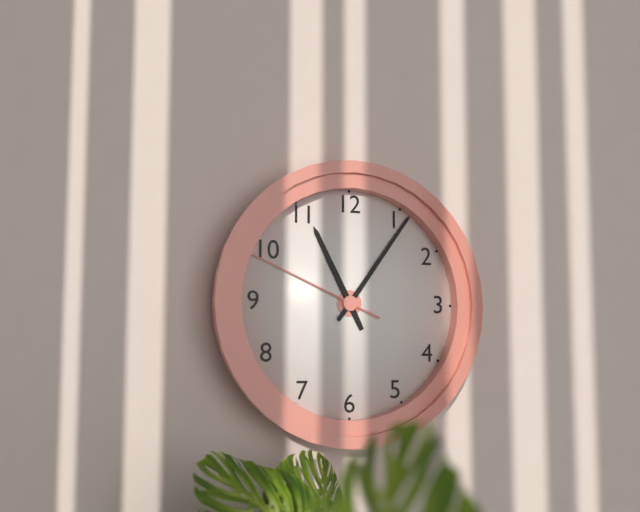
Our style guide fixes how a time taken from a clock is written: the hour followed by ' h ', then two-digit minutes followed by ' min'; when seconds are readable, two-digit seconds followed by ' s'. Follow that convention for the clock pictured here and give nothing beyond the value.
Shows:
11 h 06 min 49 s
